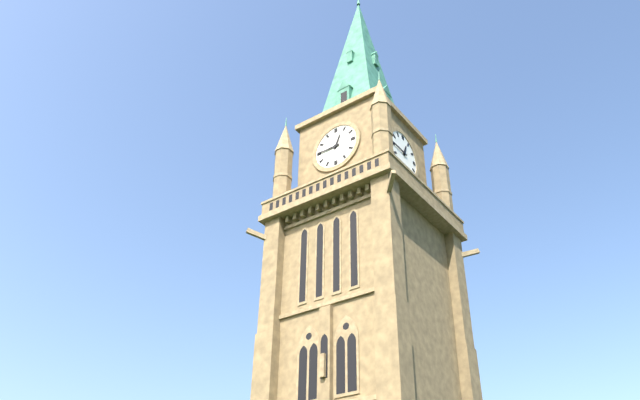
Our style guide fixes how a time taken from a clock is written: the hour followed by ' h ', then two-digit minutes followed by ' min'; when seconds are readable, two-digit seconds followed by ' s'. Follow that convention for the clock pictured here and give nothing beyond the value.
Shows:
12 h 45 min
